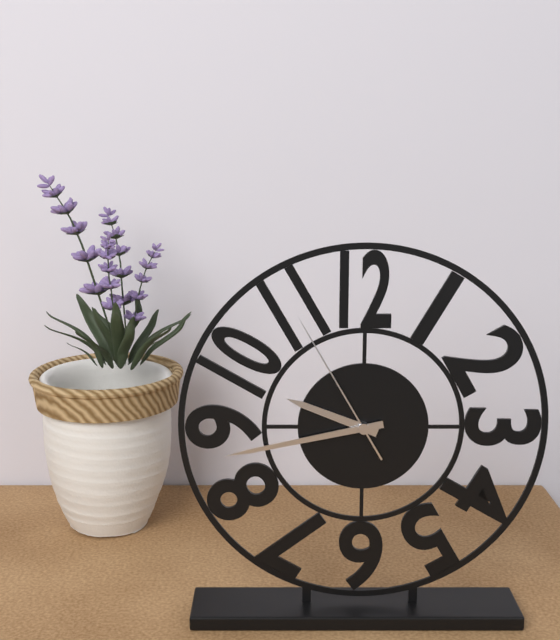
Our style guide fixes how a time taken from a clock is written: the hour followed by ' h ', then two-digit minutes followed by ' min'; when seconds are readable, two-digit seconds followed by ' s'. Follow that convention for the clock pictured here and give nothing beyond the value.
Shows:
9 h 43 min 55 s
